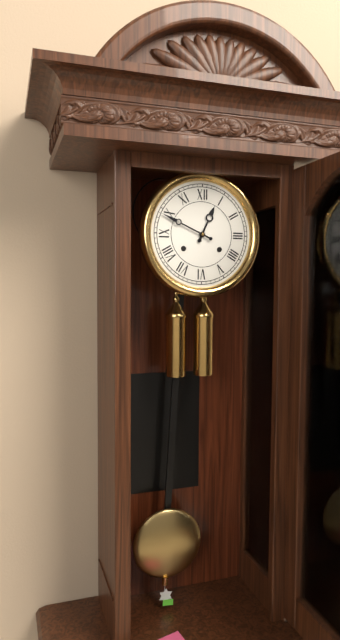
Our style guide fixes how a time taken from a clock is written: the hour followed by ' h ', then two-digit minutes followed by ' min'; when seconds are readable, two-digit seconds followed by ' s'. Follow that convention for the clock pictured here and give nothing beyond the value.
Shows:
12 h 49 min
